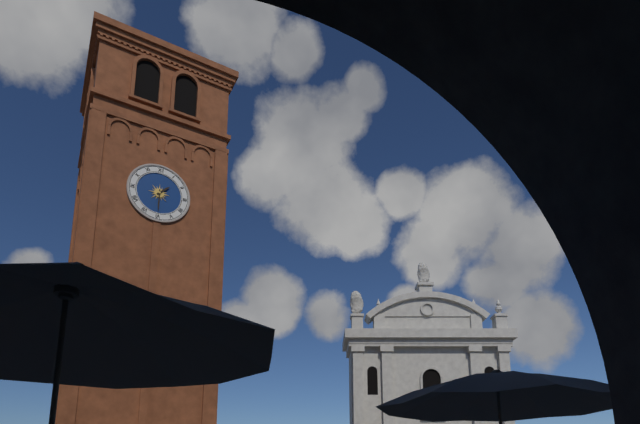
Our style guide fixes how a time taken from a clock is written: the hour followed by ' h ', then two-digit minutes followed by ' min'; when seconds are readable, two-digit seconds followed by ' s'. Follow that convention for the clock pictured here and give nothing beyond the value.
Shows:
1 h 30 min
